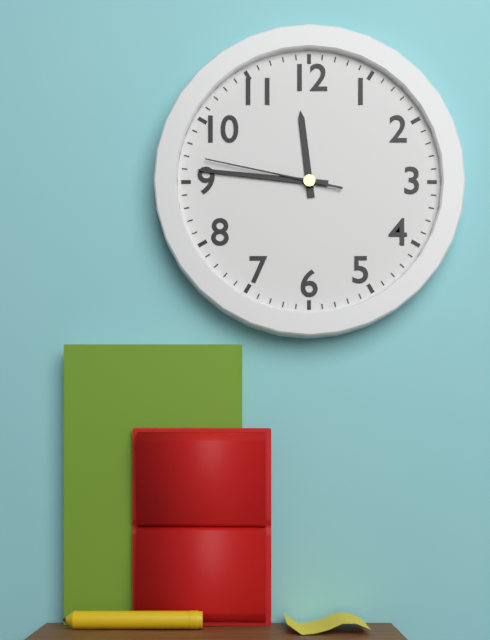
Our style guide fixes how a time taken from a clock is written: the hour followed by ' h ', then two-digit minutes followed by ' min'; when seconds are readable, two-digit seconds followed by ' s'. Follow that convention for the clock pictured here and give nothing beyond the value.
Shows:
11 h 46 min 47 s
